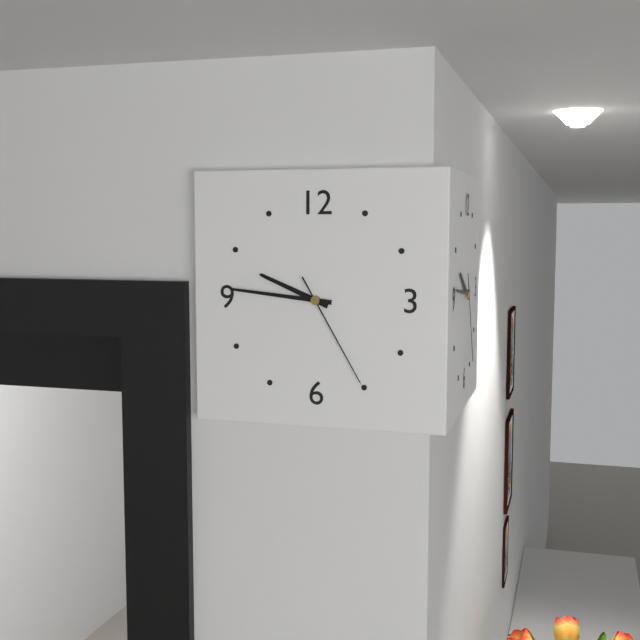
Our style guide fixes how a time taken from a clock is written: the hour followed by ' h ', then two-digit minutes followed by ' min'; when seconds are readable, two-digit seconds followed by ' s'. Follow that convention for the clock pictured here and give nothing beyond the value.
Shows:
9 h 46 min 25 s
